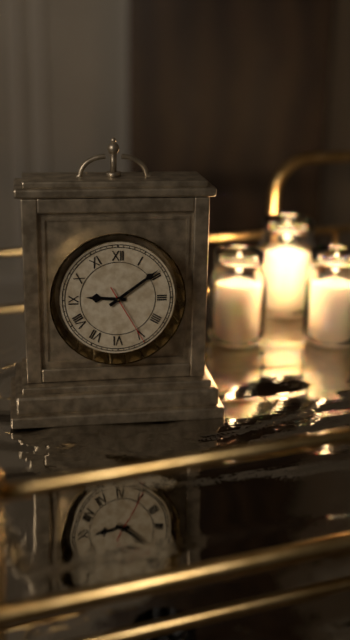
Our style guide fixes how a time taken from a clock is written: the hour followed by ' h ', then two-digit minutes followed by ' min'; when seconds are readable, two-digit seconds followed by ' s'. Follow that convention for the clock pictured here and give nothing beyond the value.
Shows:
9 h 09 min 25 s
